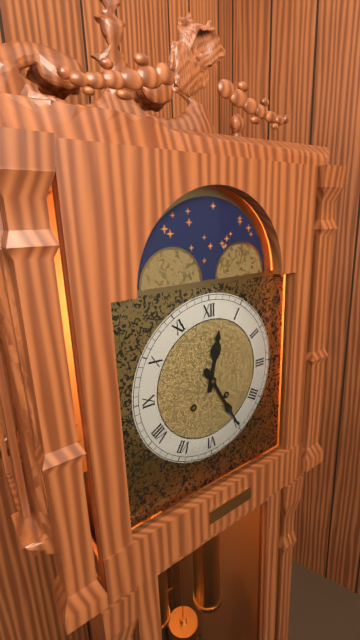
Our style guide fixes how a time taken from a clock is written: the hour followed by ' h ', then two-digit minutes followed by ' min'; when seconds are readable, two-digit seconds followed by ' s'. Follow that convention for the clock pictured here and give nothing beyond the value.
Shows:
12 h 25 min
